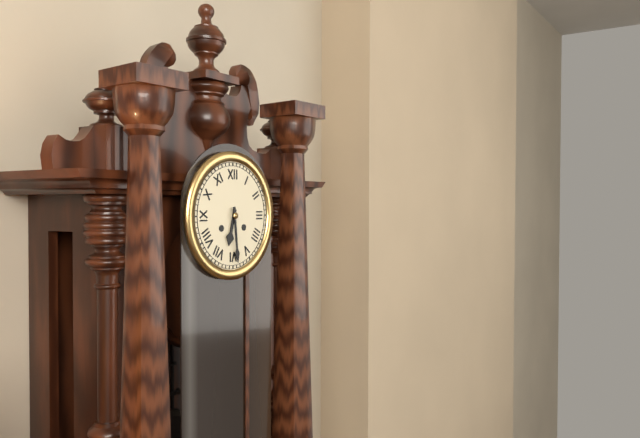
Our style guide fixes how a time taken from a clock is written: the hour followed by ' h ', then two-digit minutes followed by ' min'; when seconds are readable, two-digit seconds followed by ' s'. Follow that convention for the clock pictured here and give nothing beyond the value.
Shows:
6 h 29 min
